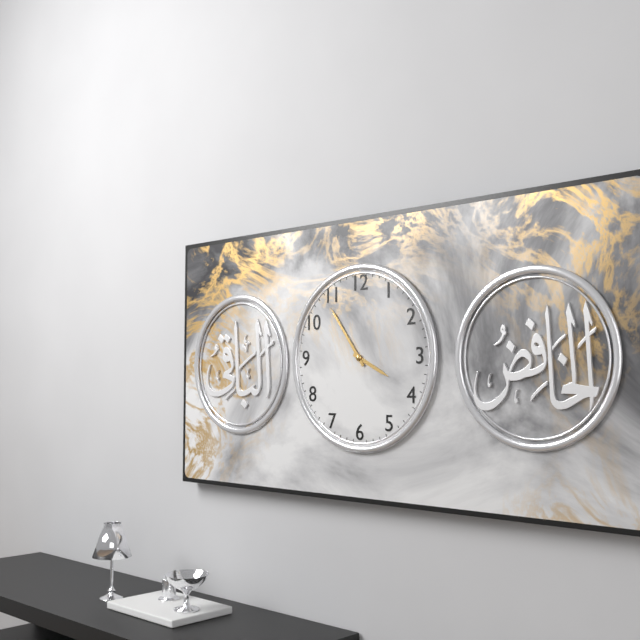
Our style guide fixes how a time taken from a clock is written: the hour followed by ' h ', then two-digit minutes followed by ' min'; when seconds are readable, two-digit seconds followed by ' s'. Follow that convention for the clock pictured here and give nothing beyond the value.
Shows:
3 h 54 min
